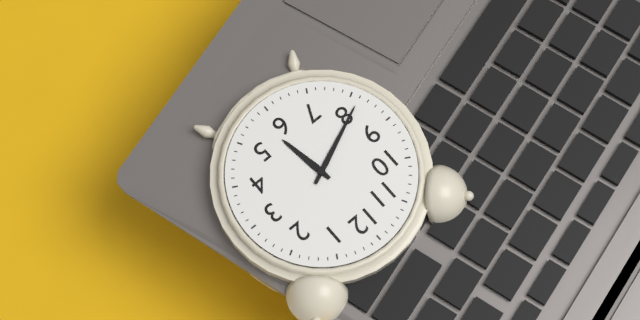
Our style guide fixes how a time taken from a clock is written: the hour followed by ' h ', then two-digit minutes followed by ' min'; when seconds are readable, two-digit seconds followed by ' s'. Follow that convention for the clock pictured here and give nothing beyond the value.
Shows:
5 h 41 min
